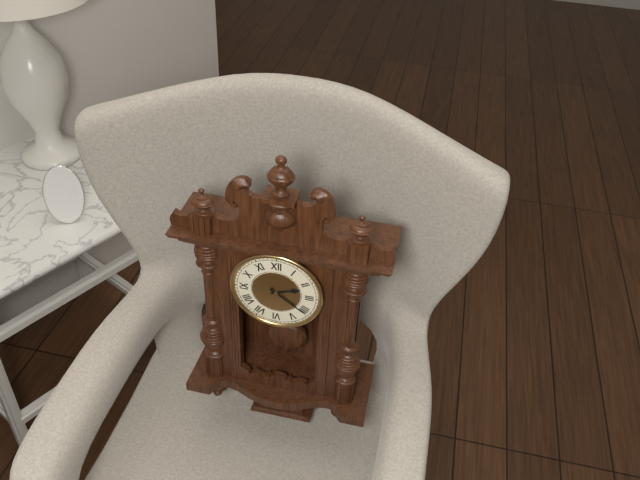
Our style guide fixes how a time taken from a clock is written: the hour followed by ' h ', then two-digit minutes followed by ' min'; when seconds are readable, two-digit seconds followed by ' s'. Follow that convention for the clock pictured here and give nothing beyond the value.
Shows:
2 h 21 min
